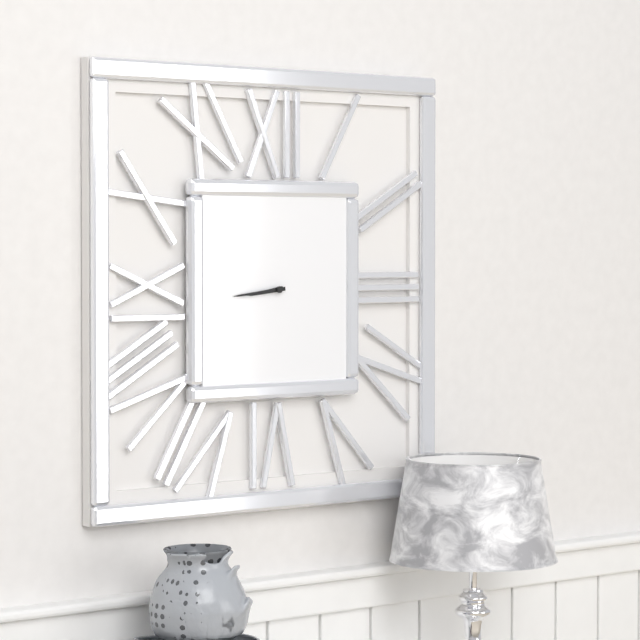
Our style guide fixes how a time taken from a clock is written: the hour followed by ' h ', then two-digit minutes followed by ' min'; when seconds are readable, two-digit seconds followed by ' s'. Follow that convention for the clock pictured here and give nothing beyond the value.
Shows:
8 h 44 min
